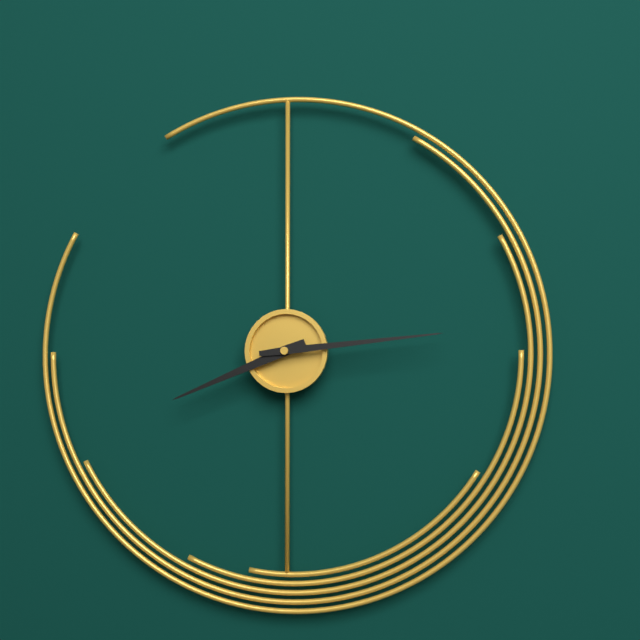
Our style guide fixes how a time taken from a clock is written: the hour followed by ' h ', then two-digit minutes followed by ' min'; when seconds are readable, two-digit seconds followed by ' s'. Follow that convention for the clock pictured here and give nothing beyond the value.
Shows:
8 h 14 min
